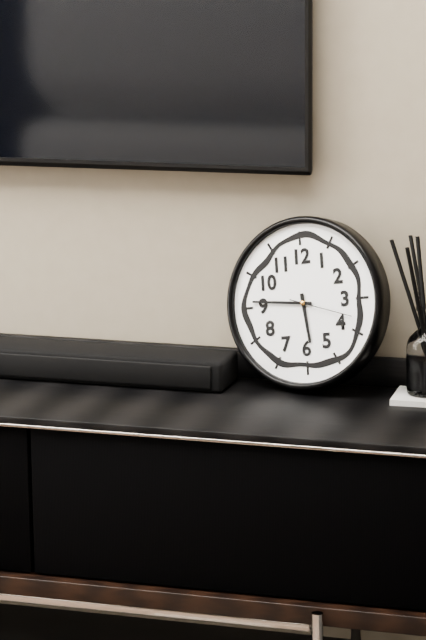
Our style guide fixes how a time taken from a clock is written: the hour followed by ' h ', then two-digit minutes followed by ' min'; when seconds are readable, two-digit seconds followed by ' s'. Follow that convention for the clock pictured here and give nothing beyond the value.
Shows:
5 h 46 min 18 s
